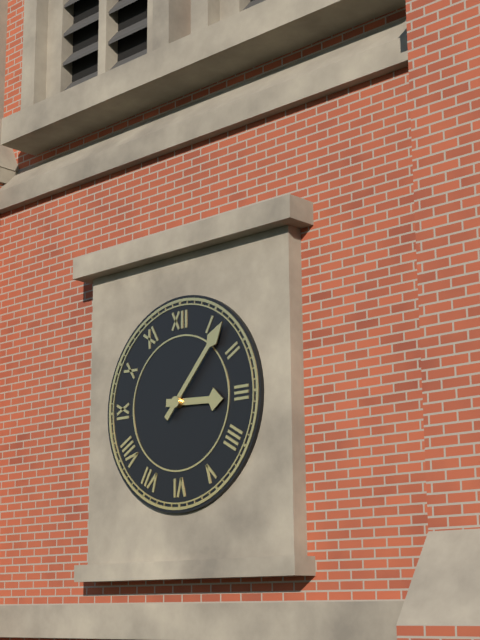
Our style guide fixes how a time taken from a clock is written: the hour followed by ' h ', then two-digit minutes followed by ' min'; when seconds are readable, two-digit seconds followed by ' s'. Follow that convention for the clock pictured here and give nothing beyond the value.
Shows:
3 h 07 min
